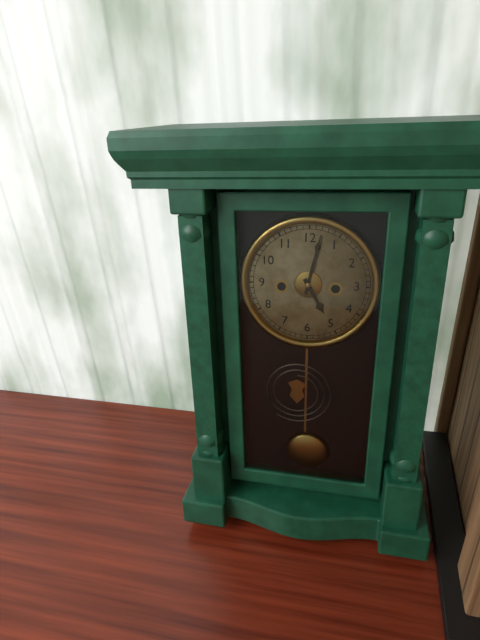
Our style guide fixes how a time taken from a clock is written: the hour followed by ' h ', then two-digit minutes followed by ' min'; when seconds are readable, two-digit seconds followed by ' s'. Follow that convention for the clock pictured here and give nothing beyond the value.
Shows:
5 h 02 min
